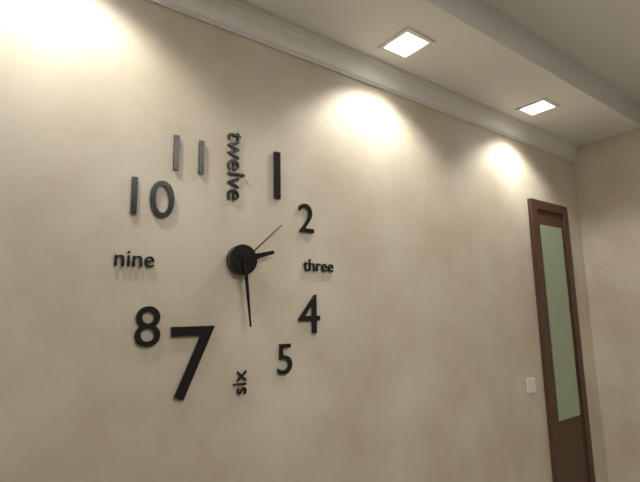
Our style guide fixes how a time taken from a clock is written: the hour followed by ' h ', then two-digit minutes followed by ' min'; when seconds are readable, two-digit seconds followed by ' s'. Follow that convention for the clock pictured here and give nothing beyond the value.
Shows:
2 h 29 min 08 s
